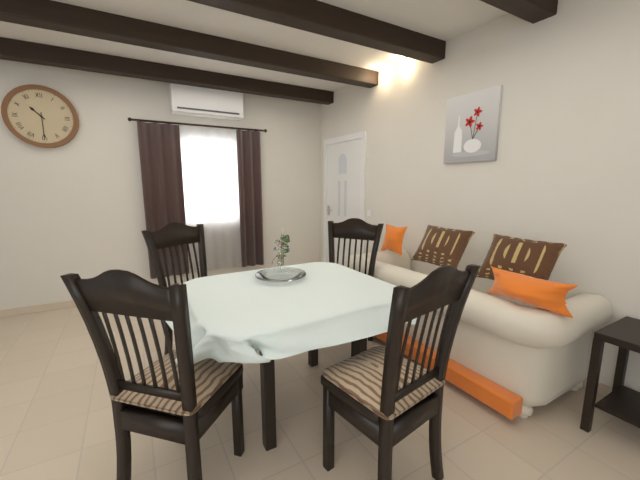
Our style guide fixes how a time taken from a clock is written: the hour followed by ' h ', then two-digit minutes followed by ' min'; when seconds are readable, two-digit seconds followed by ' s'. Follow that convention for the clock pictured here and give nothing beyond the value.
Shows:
10 h 30 min
